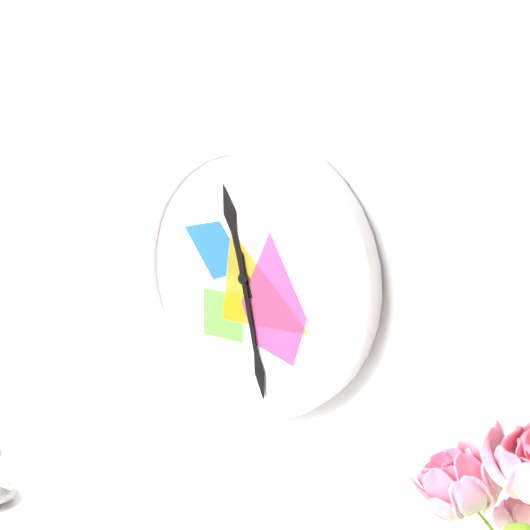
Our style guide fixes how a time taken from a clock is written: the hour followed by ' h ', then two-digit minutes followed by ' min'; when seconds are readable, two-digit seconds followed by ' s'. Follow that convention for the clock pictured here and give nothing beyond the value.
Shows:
11 h 28 min
